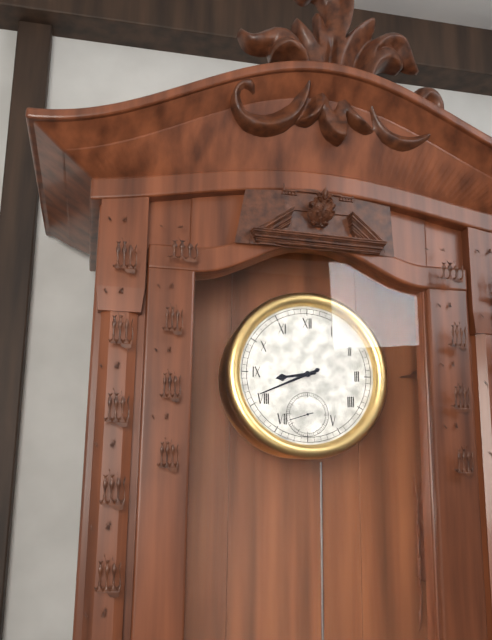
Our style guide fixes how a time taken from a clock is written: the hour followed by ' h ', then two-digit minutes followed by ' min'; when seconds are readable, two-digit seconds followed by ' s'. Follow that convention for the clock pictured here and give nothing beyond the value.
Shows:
8 h 41 min
